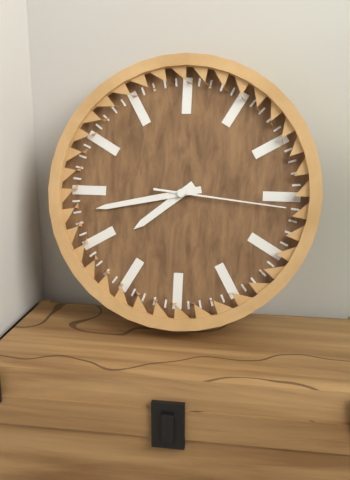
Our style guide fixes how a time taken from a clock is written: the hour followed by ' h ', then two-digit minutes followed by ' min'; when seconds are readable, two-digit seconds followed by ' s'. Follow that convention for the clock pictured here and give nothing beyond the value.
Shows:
7 h 43 min 16 s
